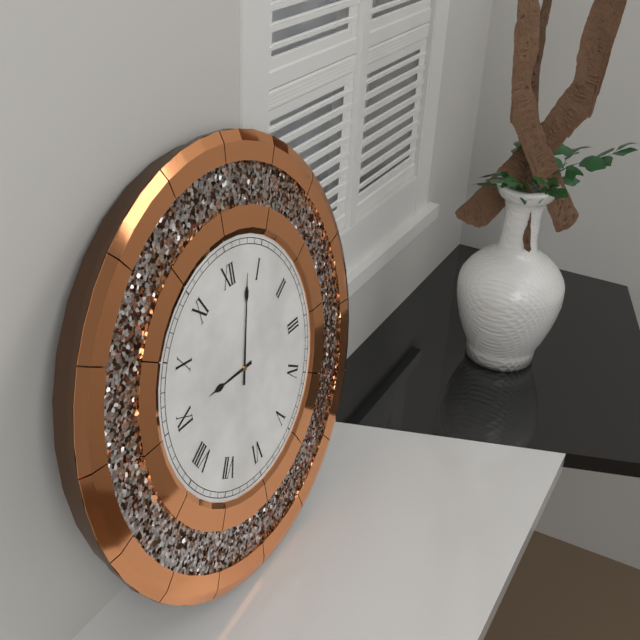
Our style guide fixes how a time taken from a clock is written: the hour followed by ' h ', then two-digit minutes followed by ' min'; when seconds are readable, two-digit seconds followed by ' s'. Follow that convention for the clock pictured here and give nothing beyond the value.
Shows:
9 h 03 min
